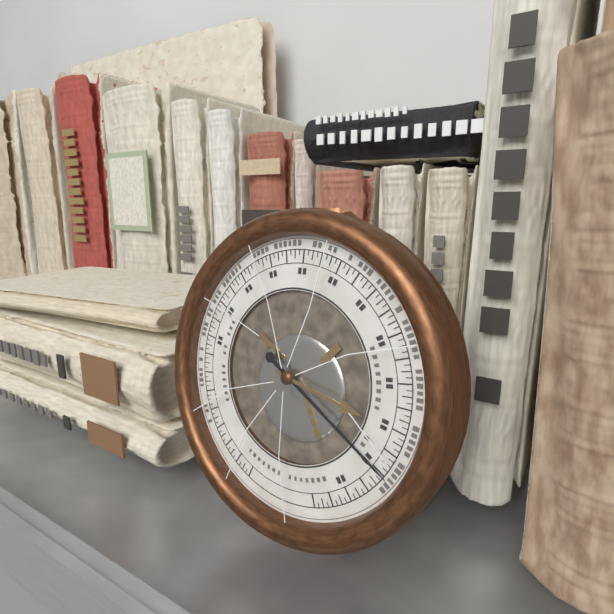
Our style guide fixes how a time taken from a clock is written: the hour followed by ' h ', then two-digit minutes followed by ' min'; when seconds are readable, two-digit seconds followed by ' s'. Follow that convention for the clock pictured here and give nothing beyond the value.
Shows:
3 h 20 min
